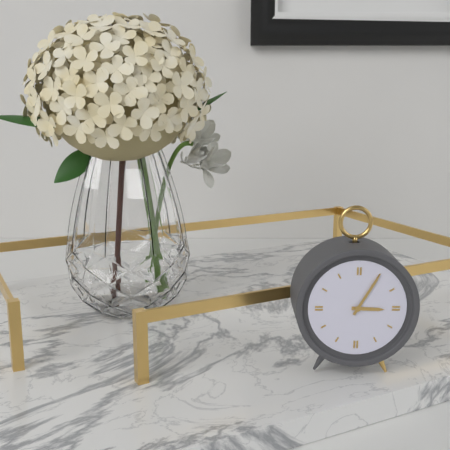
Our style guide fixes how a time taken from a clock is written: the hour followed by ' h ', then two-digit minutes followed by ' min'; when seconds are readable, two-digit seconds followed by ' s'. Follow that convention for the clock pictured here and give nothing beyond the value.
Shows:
3 h 05 min
